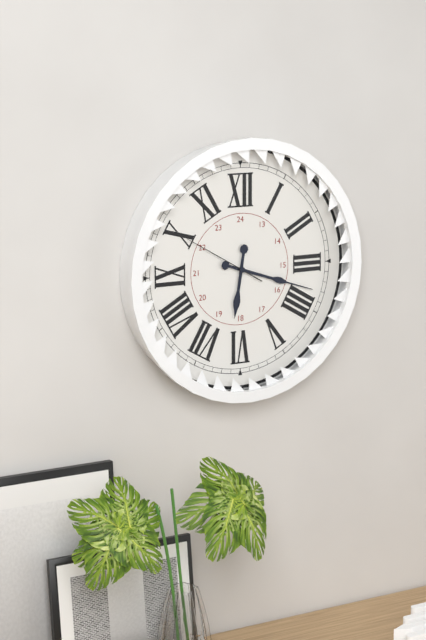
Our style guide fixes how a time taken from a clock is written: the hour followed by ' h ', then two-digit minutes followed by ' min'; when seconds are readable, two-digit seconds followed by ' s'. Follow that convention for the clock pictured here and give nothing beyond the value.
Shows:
6 h 18 min 50 s
